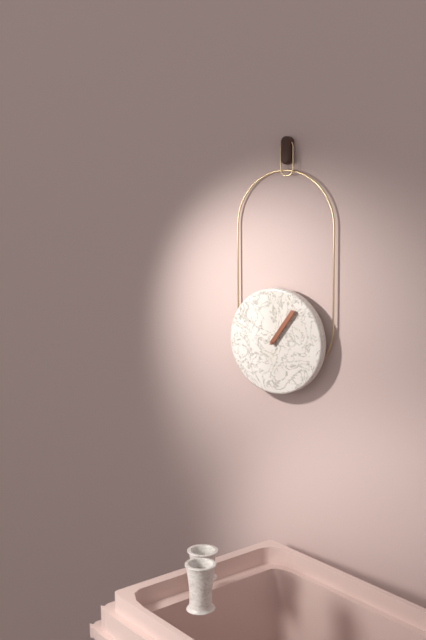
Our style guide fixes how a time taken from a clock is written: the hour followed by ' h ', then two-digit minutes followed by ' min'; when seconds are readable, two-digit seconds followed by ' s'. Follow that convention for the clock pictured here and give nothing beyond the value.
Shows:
1 h 06 min
